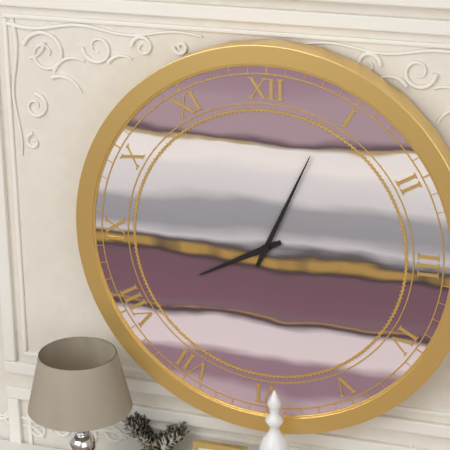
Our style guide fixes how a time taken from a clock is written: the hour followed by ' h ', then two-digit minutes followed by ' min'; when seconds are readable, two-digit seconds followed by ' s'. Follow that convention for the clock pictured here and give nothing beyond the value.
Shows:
8 h 04 min
